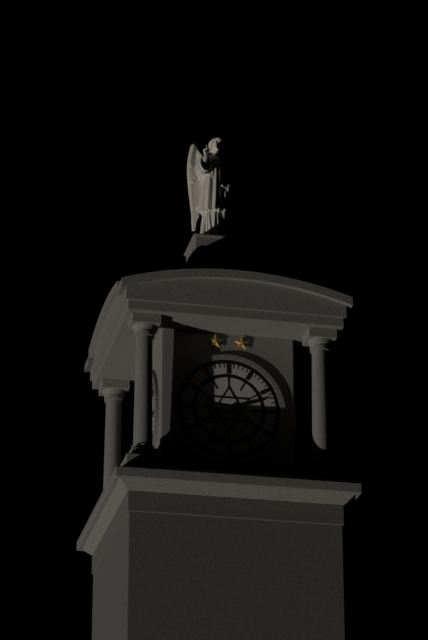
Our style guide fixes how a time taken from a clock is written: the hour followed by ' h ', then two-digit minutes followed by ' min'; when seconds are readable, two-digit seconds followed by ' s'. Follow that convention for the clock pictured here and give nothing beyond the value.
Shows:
9 h 12 min
